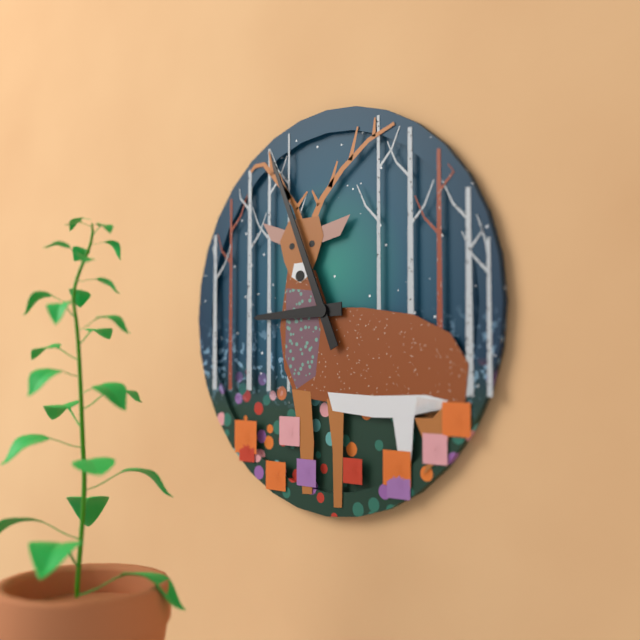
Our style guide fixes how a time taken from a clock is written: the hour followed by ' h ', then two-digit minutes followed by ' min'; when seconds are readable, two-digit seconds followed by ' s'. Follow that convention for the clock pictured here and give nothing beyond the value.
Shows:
8 h 56 min
